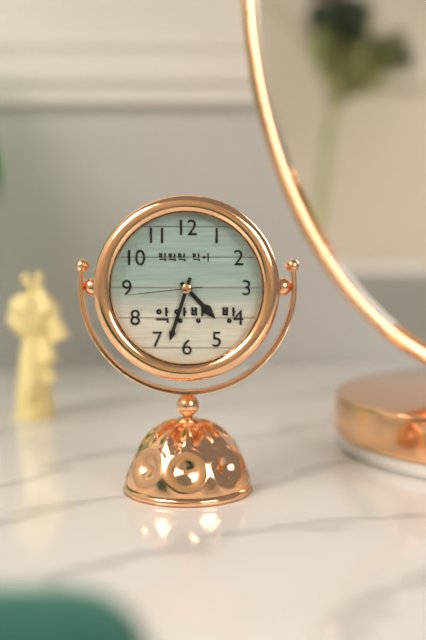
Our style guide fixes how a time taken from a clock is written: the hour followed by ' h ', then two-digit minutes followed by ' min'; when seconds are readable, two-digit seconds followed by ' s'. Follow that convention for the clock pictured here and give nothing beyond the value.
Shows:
4 h 33 min 44 s
